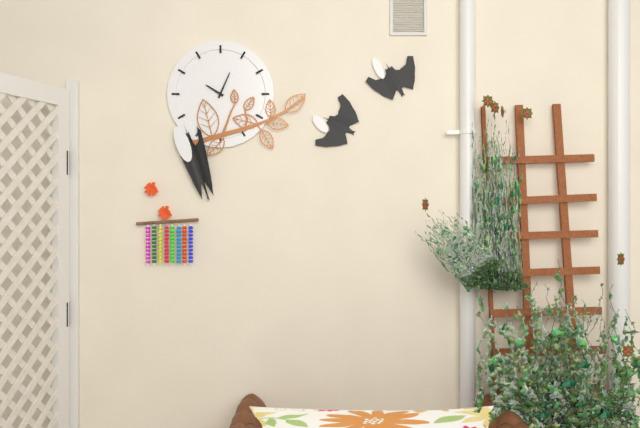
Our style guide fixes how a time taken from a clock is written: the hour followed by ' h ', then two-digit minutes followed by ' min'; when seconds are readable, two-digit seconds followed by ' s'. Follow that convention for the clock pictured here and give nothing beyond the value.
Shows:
10 h 04 min
